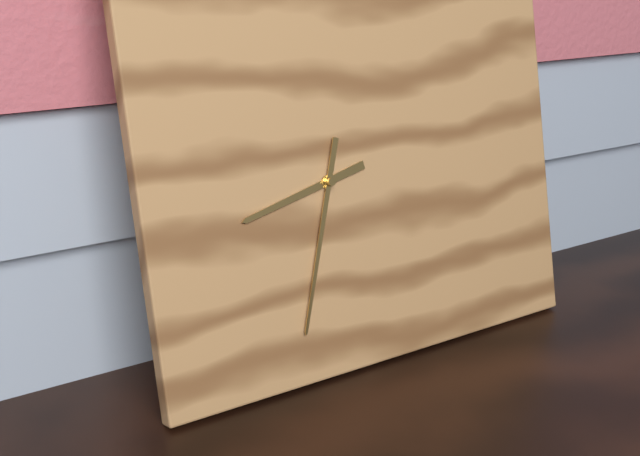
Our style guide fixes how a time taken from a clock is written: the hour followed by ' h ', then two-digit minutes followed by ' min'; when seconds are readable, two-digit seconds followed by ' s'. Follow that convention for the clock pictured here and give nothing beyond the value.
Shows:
8 h 33 min
